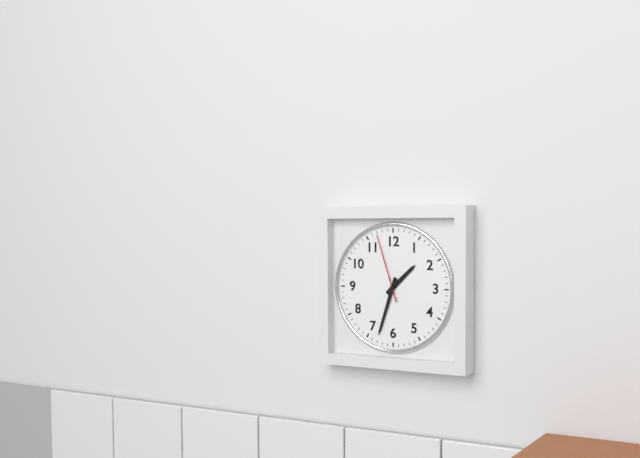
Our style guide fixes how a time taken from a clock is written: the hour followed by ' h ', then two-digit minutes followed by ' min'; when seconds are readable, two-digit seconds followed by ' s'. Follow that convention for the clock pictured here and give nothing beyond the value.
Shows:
1 h 33 min 57 s
